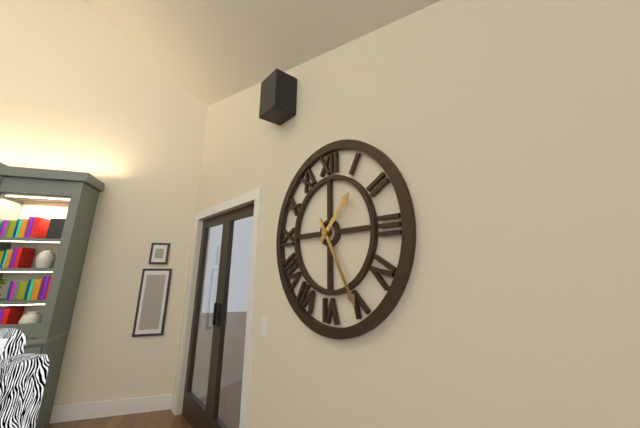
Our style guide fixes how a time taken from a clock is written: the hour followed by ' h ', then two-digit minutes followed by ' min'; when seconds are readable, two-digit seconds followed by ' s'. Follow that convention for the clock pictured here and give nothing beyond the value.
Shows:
1 h 25 min
